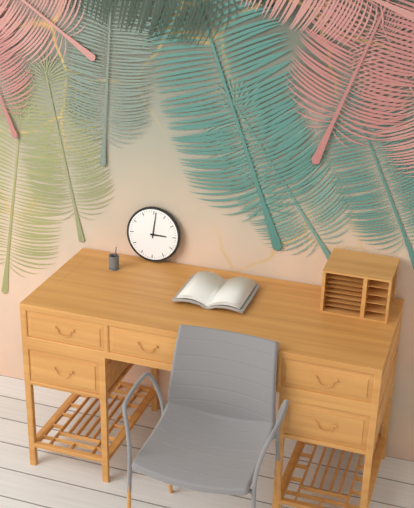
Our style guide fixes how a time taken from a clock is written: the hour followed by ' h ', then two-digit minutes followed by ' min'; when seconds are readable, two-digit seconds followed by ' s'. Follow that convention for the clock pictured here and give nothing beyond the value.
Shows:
3 h 01 min
